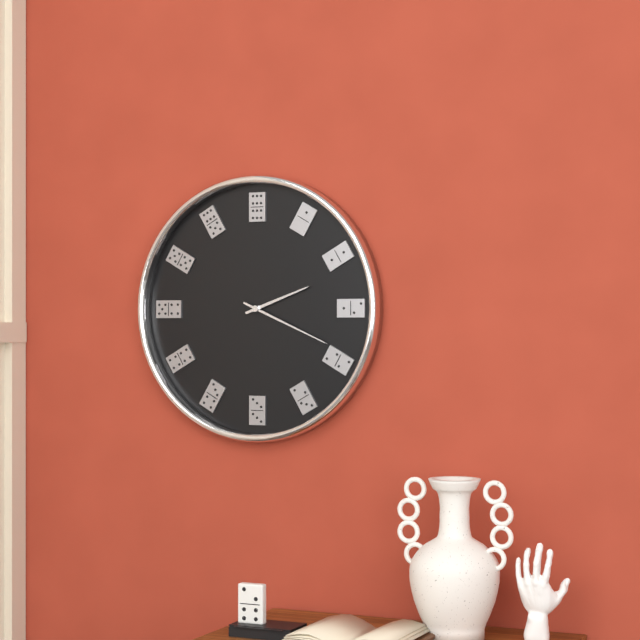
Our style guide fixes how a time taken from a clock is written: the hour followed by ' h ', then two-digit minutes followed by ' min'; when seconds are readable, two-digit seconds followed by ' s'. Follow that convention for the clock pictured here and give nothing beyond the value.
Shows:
2 h 19 min
